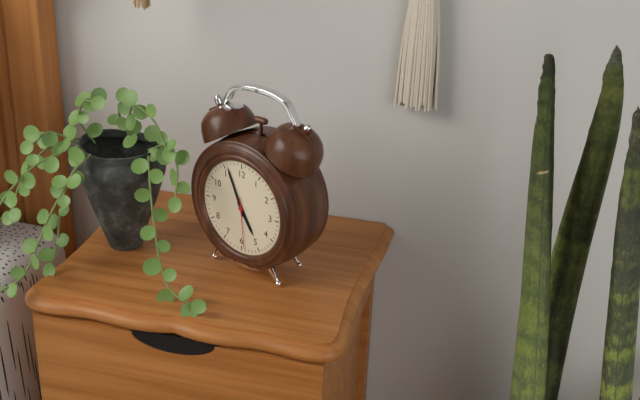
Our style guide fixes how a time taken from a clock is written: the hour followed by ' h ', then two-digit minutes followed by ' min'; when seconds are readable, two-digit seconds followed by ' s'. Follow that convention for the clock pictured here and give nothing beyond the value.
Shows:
4 h 56 min 29 s
